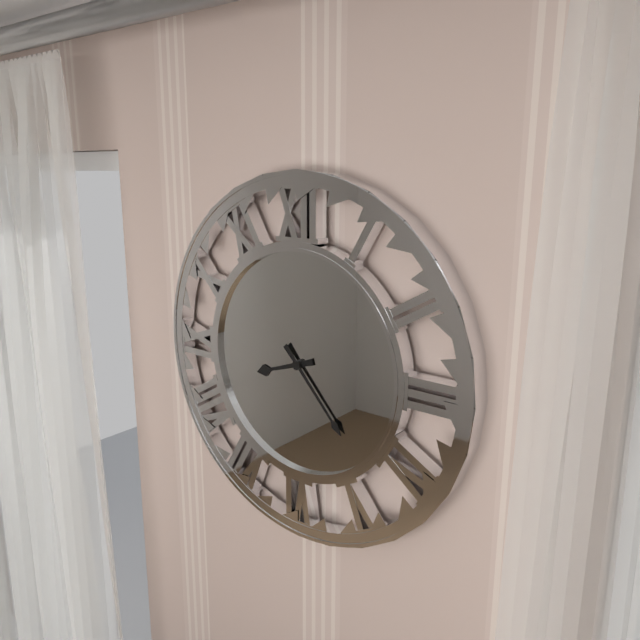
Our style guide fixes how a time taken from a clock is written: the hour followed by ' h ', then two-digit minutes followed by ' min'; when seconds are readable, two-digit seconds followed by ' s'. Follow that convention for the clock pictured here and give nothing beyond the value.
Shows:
8 h 23 min
